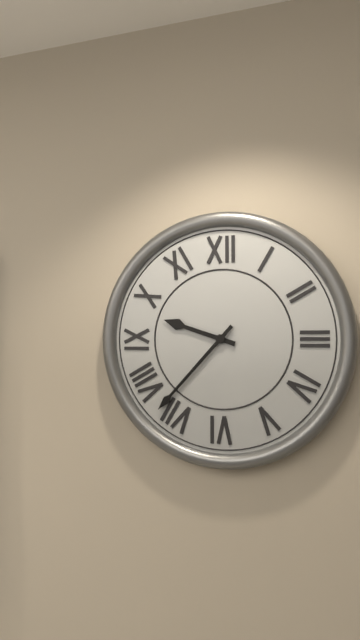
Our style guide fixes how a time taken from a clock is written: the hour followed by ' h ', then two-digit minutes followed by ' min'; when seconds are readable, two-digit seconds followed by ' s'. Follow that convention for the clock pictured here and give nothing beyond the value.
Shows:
9 h 37 min
